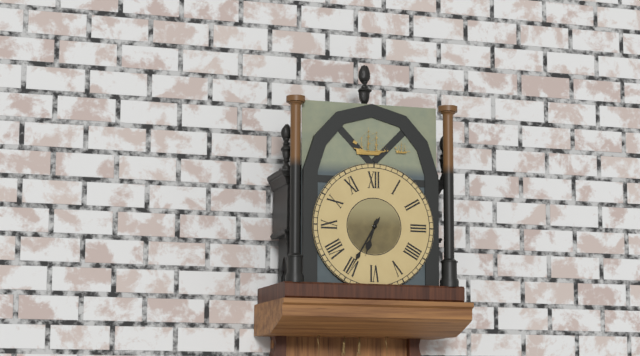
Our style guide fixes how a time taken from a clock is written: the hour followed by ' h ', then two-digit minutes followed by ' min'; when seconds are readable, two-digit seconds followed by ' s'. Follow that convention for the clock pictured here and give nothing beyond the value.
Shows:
6 h 35 min
